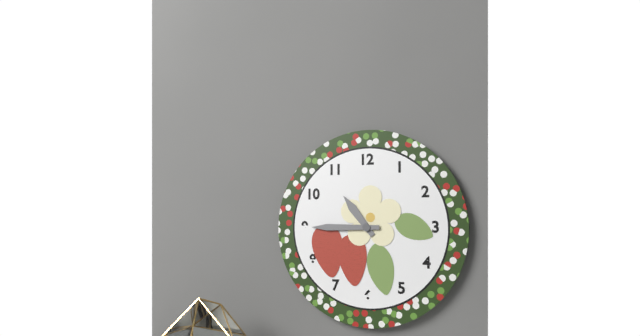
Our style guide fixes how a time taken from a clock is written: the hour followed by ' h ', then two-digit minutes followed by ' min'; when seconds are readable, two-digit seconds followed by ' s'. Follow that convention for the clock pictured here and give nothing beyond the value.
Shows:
10 h 45 min
